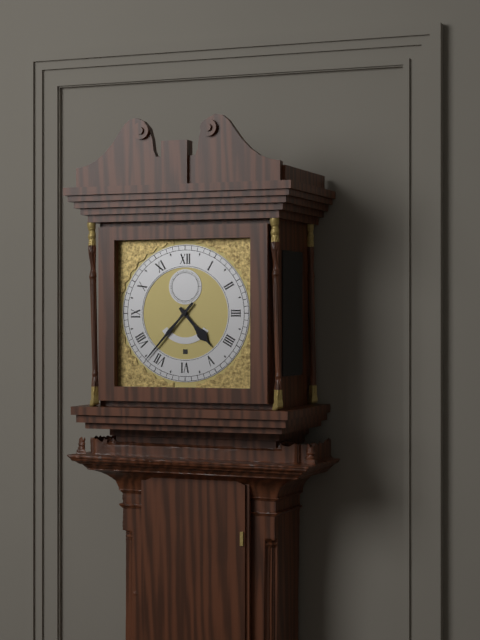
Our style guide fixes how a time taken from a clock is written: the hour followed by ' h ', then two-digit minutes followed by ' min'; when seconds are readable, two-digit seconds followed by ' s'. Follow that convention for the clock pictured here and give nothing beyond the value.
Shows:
4 h 37 min
